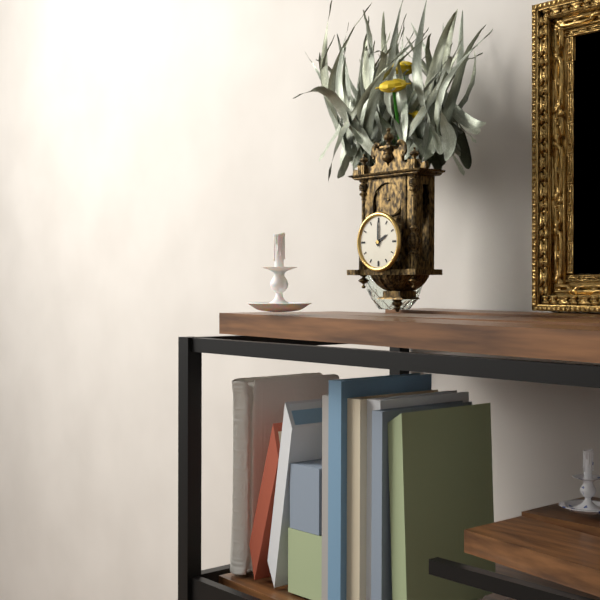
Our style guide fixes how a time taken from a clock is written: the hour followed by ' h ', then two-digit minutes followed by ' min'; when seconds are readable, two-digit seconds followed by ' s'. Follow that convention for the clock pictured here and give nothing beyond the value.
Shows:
2 h 00 min
